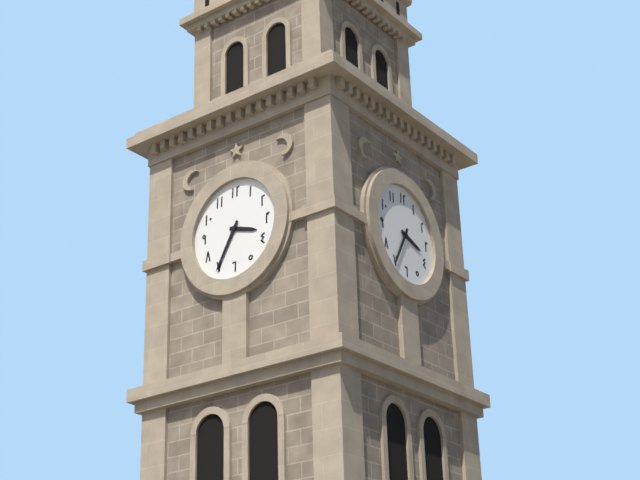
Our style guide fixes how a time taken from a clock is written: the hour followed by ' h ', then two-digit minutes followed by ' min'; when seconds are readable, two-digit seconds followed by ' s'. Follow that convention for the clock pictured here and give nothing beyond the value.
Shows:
3 h 35 min
